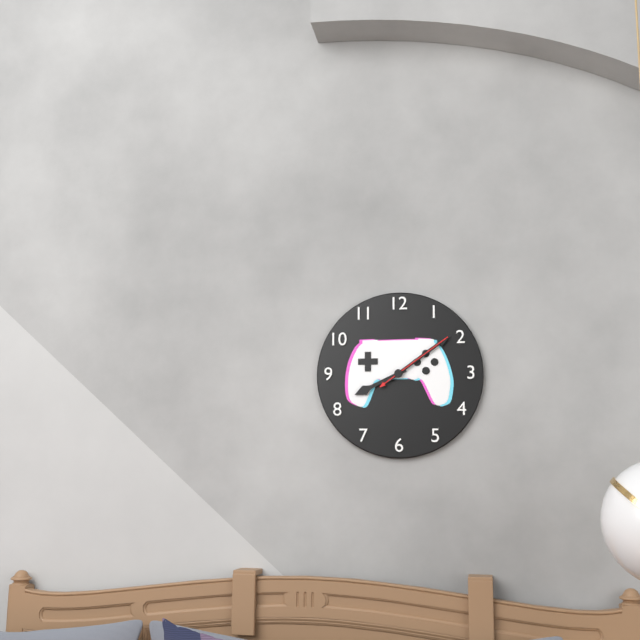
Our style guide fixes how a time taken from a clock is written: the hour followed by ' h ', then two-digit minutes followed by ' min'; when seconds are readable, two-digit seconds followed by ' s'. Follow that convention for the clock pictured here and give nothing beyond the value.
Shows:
8 h 09 min 09 s
